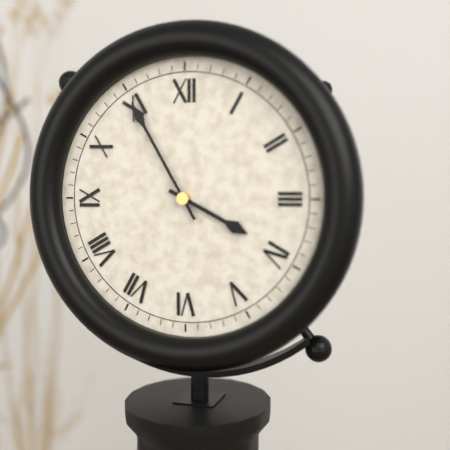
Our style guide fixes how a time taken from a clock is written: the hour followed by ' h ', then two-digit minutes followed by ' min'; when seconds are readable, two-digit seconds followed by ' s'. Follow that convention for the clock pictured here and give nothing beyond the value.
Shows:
3 h 55 min
